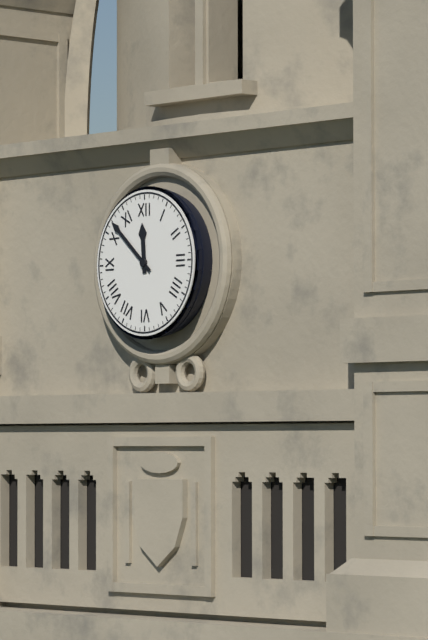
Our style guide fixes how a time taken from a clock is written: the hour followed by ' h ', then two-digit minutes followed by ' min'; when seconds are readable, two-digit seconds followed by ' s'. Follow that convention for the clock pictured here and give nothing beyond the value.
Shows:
11 h 52 min
